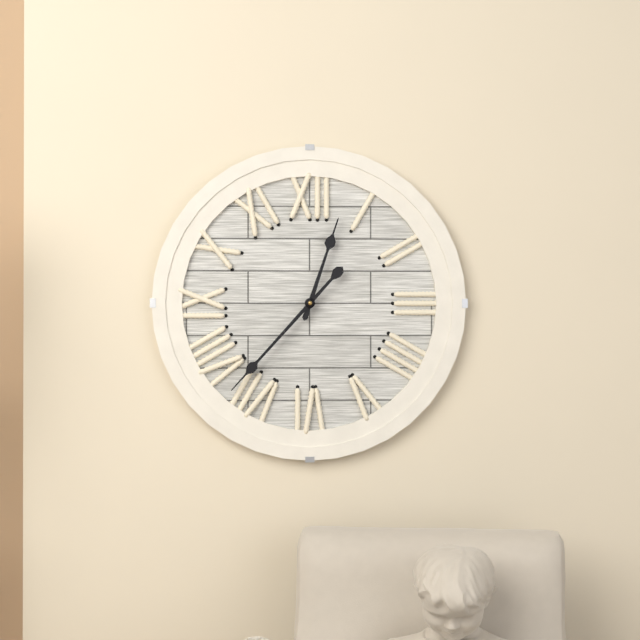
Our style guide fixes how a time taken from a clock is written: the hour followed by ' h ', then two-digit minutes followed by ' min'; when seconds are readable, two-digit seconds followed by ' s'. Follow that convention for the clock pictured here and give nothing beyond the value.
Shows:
12 h 37 min
